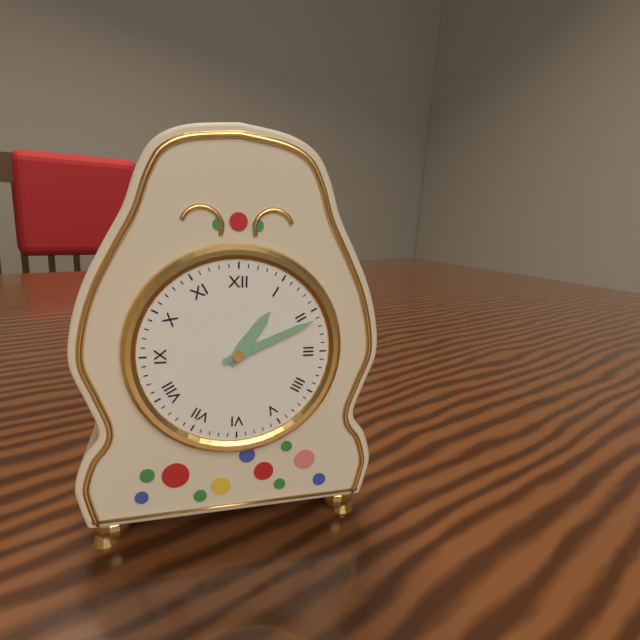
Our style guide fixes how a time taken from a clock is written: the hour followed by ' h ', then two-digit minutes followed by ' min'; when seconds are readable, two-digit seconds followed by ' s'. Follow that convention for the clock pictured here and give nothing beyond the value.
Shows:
1 h 11 min
